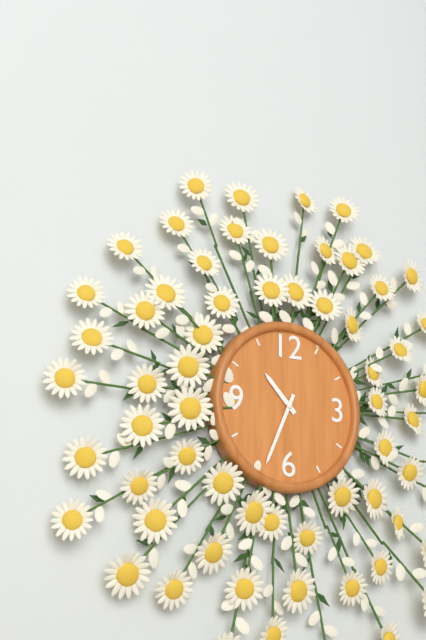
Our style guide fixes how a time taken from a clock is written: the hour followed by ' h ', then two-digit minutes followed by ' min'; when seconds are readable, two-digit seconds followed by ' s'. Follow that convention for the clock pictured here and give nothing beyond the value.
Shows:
10 h 34 min
